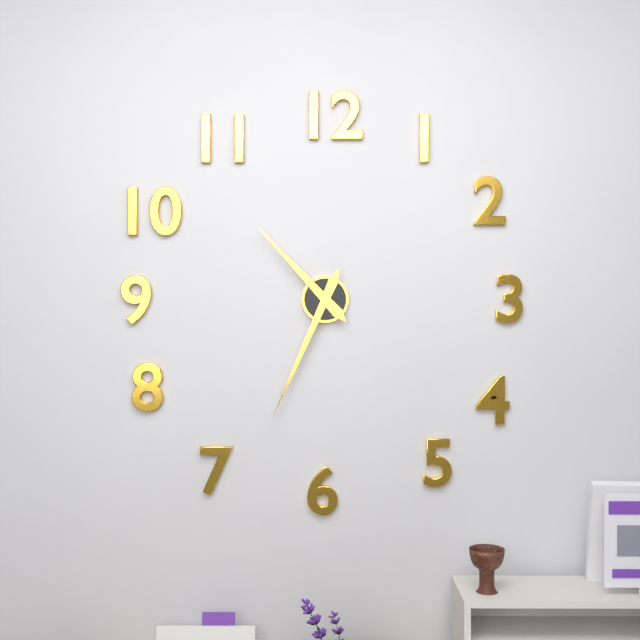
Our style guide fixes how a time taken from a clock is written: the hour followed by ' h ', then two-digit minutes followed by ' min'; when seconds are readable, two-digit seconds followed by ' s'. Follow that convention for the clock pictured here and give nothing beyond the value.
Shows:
10 h 34 min
